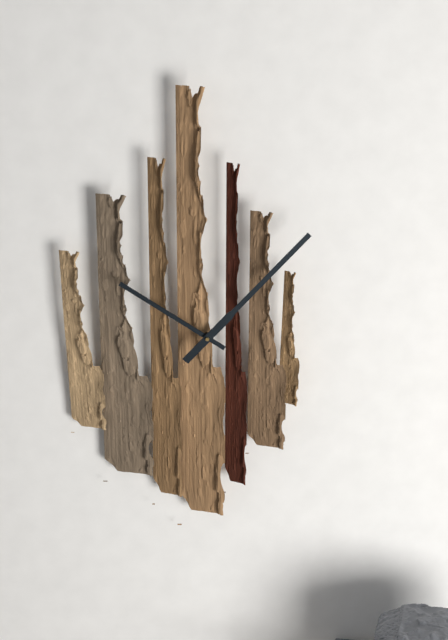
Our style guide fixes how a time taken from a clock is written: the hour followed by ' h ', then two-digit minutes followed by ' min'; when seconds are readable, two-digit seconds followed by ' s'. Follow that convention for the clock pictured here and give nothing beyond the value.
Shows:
10 h 07 min
